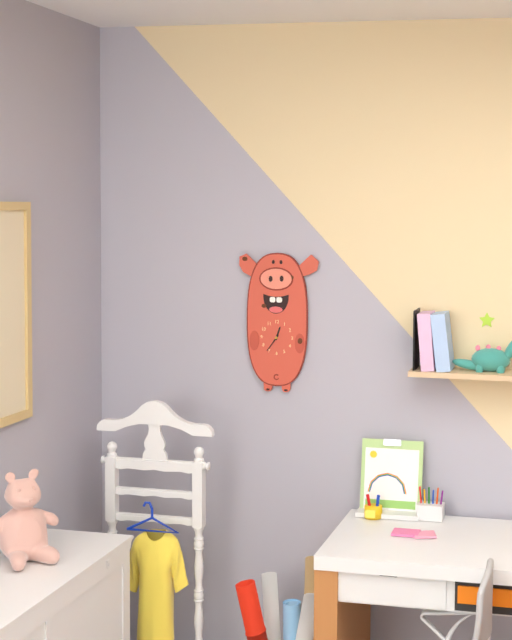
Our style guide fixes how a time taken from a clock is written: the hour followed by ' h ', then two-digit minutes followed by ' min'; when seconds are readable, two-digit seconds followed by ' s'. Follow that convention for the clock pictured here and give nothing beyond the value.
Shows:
12 h 36 min
